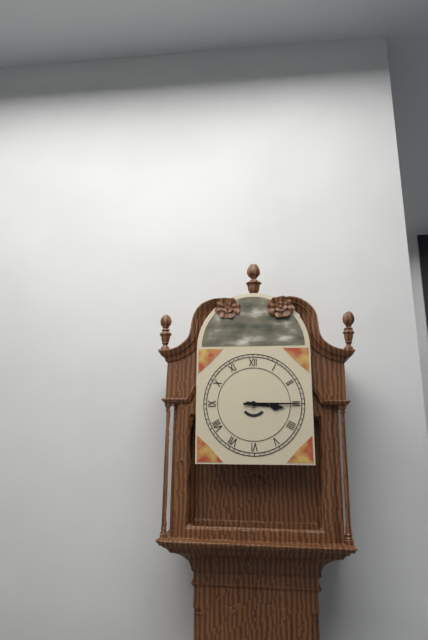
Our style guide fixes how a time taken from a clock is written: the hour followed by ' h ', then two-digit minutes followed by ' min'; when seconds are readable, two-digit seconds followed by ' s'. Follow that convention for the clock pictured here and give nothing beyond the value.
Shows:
3 h 15 min
